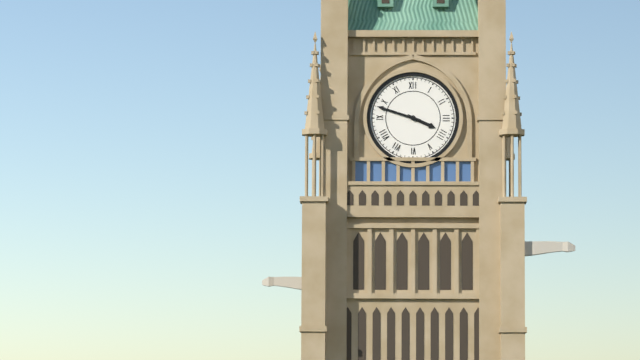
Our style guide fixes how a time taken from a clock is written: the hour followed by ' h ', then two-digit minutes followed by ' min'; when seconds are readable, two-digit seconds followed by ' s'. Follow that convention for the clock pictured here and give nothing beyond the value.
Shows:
3 h 48 min
